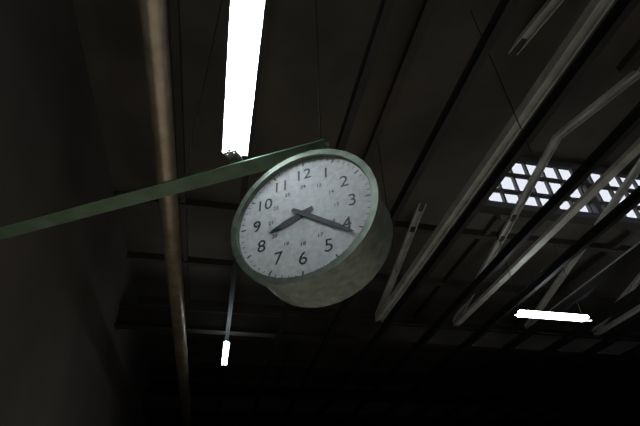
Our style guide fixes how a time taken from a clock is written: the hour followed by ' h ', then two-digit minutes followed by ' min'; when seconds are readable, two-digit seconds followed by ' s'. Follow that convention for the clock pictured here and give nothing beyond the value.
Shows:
8 h 21 min
